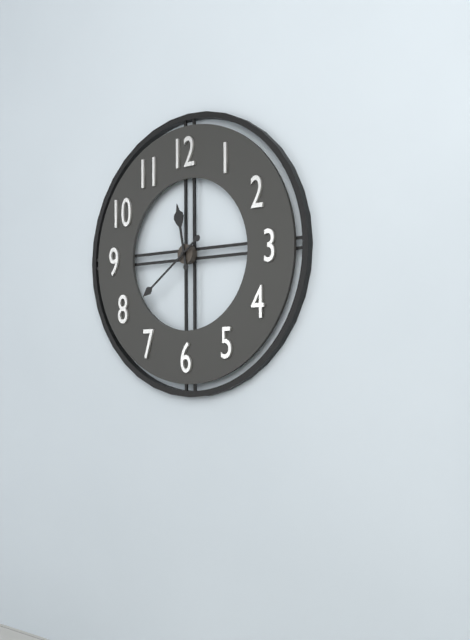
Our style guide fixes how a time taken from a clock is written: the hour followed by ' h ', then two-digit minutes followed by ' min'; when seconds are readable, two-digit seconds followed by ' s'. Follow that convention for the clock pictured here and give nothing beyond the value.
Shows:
11 h 39 min
